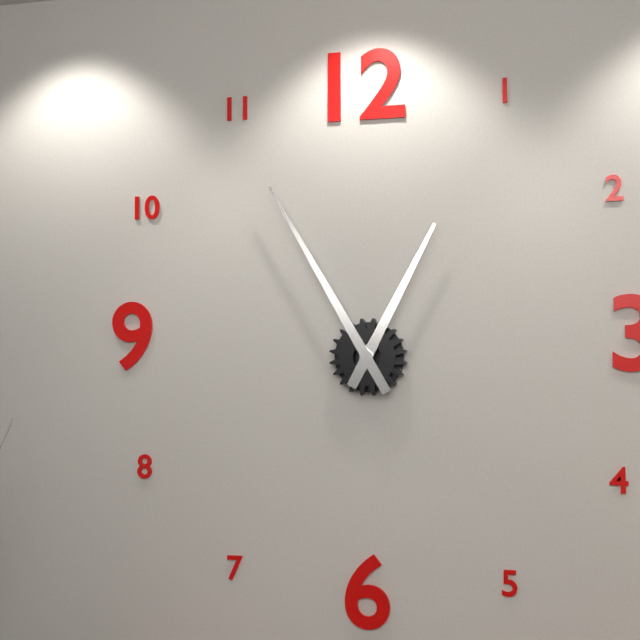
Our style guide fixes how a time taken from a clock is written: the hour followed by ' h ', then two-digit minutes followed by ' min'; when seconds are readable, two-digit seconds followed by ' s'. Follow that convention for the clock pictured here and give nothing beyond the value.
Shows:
12 h 55 min
